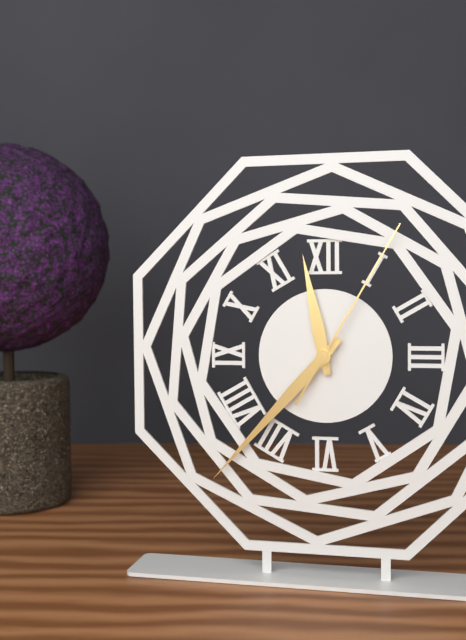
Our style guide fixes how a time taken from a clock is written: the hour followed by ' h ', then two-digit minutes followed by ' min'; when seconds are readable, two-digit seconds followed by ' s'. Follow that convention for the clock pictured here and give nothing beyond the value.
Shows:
11 h 37 min 05 s
